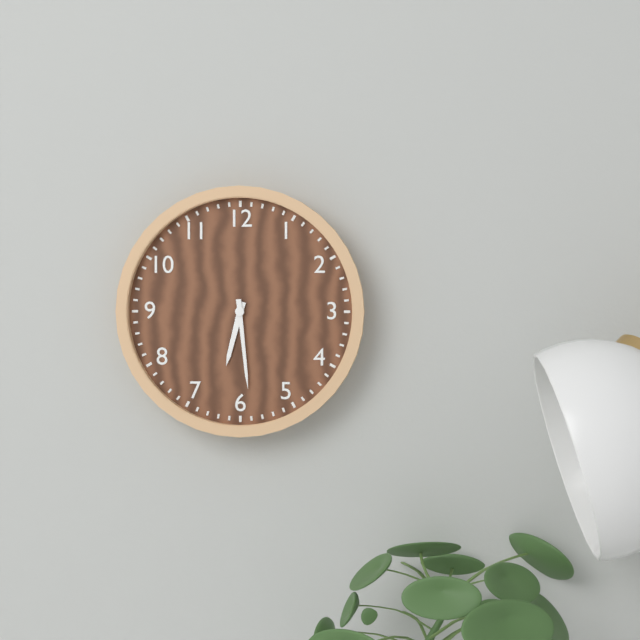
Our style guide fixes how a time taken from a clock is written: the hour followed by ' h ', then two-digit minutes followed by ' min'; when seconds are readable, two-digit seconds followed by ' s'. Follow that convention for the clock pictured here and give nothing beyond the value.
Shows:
6 h 29 min
